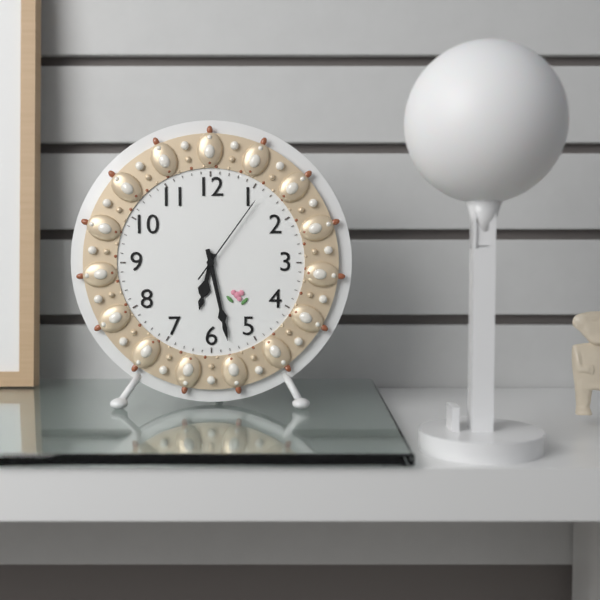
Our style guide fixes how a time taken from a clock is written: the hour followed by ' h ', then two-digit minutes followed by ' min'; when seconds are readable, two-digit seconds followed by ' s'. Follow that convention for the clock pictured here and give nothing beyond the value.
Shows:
6 h 28 min 06 s
